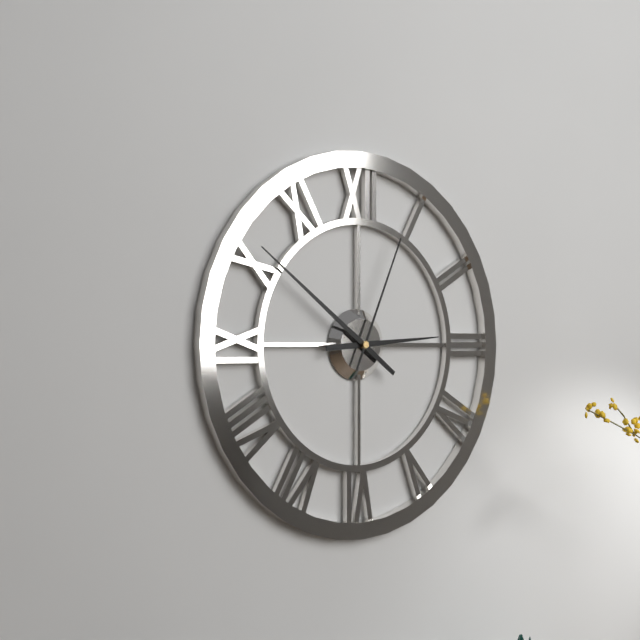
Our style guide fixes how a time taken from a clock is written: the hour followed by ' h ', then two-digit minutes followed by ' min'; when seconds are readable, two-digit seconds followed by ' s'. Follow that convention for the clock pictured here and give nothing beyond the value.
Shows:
2 h 51 min 04 s
